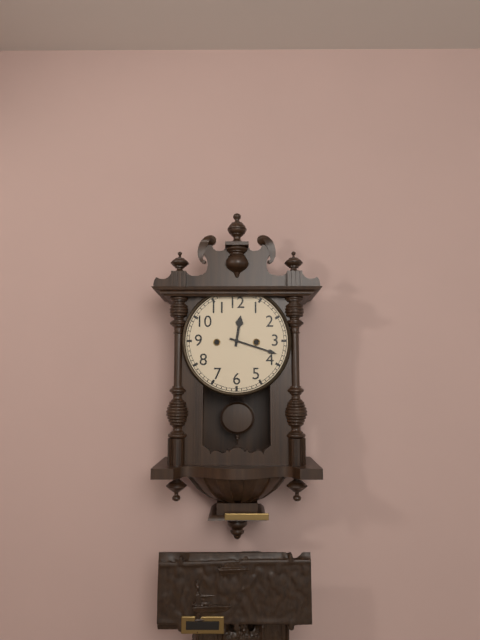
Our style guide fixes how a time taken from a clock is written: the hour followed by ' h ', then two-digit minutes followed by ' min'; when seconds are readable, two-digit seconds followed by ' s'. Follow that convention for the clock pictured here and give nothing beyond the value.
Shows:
12 h 18 min
